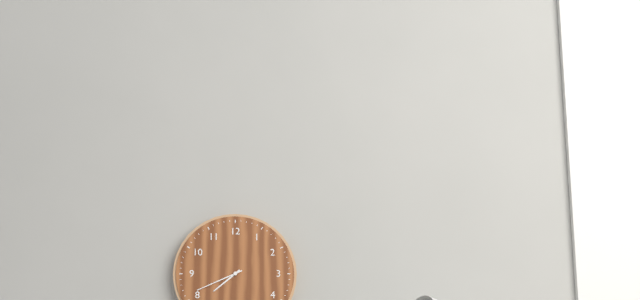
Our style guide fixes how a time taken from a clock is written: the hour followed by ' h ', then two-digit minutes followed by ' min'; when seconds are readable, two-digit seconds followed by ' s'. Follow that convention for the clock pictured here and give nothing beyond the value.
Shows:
7 h 41 min
